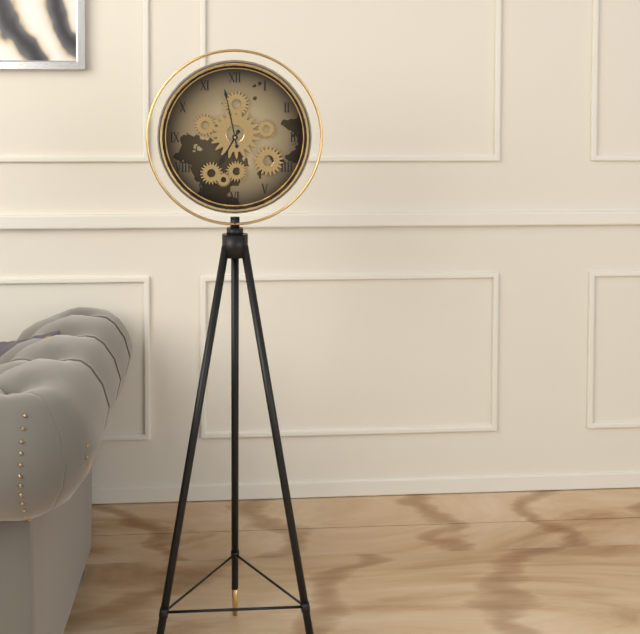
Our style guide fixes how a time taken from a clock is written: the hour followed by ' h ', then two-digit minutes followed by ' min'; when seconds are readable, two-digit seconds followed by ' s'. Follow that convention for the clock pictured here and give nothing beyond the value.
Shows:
6 h 58 min
